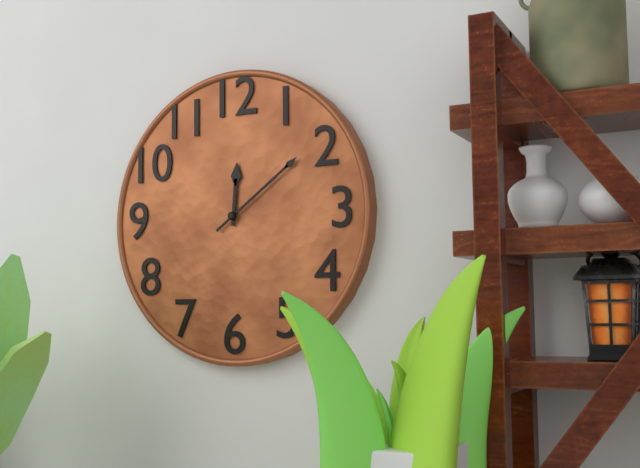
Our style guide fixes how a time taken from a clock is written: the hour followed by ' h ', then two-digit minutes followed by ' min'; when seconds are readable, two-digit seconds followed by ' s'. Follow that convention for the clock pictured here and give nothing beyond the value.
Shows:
12 h 09 min
